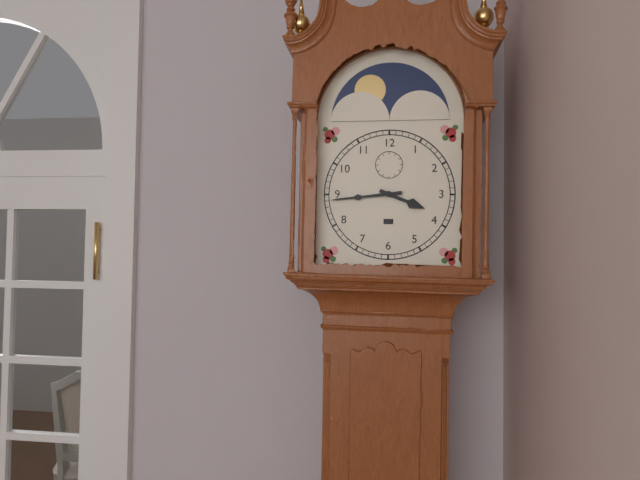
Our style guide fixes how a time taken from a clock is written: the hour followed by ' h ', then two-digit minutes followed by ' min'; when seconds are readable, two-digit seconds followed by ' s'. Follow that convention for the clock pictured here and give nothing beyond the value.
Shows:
3 h 44 min
